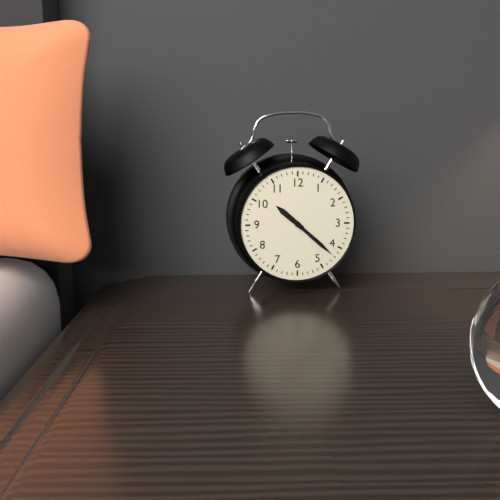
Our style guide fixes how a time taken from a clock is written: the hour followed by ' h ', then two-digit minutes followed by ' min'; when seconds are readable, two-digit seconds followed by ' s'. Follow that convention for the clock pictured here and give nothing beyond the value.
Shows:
10 h 22 min
